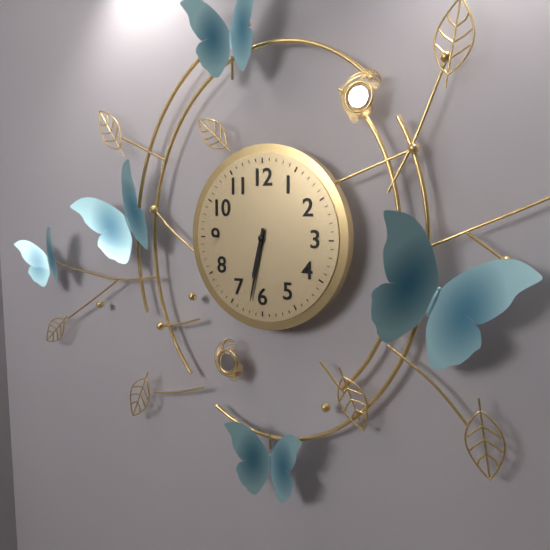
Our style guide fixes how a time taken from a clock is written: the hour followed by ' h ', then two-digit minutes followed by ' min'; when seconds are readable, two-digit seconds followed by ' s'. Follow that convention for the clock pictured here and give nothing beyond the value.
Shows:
6 h 32 min
